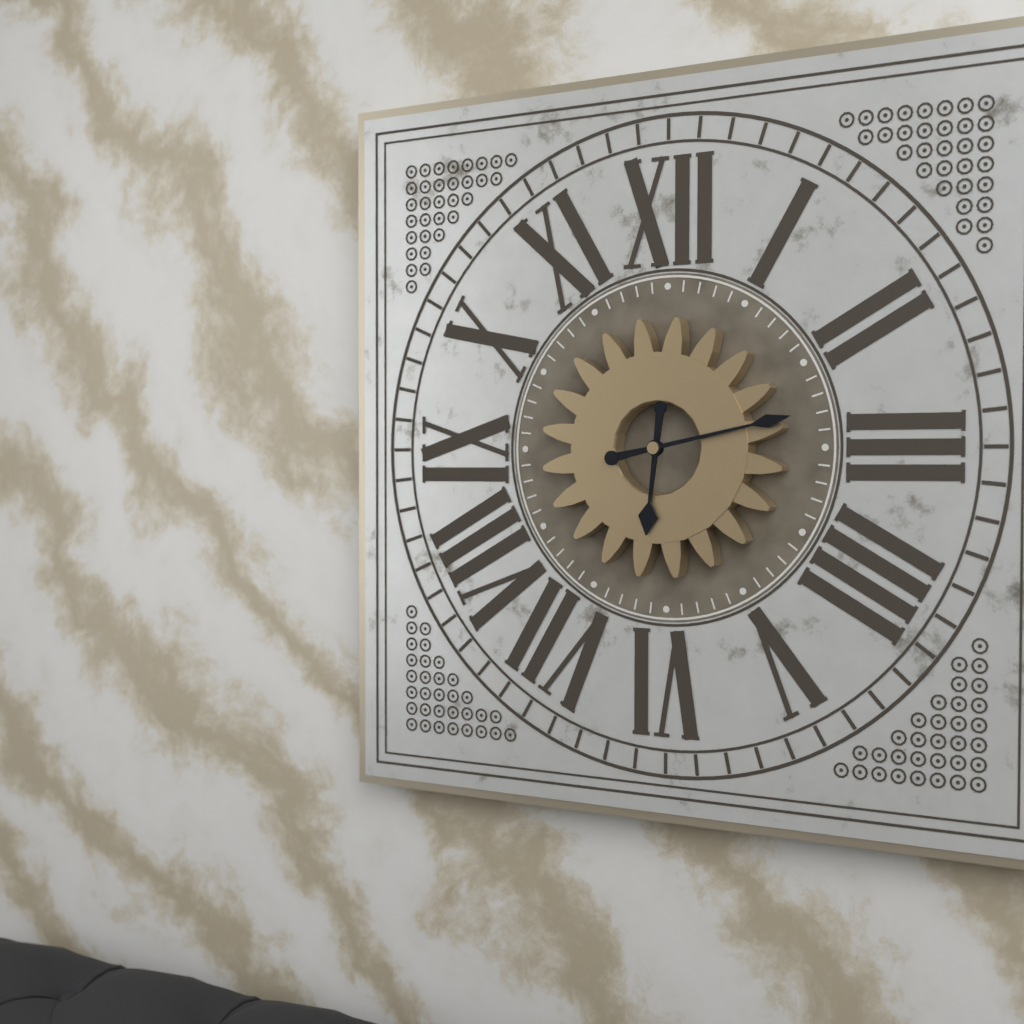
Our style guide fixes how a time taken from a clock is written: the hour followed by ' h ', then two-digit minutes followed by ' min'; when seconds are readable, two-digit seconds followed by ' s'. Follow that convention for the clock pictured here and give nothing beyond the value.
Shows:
6 h 13 min
